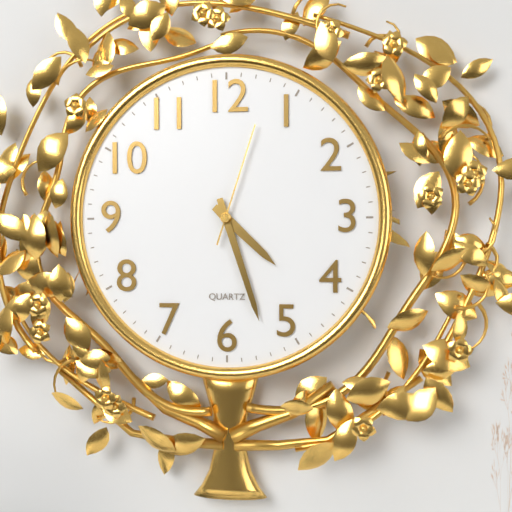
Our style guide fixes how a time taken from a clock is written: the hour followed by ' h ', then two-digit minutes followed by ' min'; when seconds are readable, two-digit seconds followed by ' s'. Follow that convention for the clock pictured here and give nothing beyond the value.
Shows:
4 h 27 min 03 s
